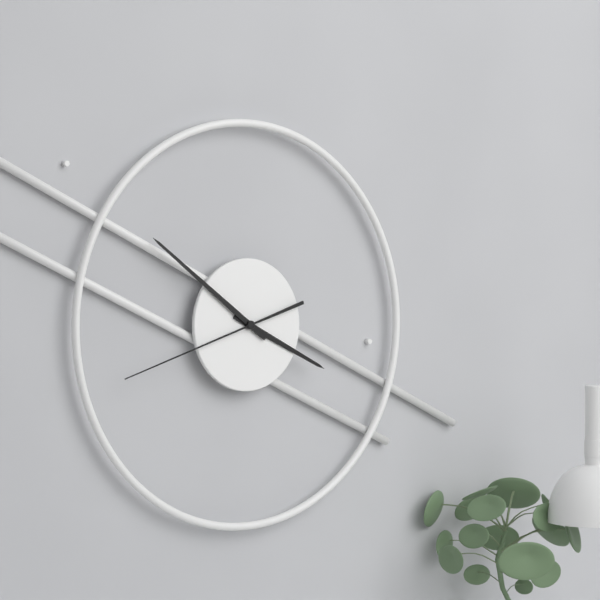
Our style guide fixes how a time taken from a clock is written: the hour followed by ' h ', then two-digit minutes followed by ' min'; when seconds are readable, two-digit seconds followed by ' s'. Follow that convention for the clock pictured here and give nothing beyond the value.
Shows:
3 h 51 min 42 s
